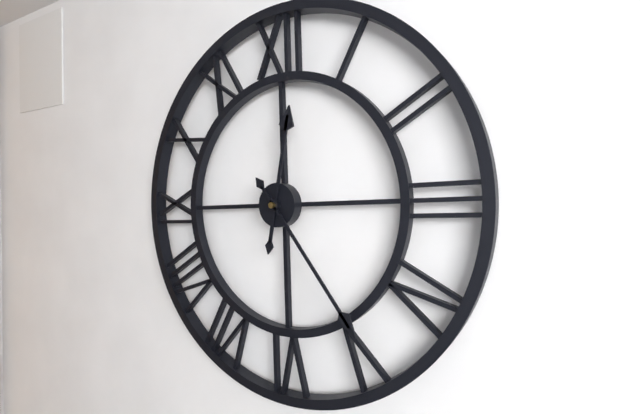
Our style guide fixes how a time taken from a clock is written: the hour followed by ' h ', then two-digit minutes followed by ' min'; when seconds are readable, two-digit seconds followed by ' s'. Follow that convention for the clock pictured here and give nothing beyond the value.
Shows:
12 h 24 min
